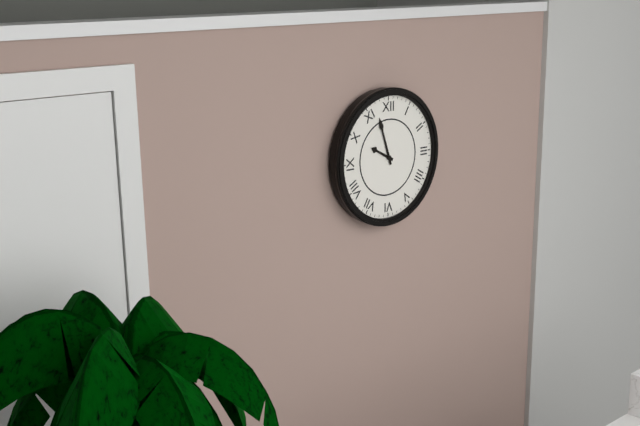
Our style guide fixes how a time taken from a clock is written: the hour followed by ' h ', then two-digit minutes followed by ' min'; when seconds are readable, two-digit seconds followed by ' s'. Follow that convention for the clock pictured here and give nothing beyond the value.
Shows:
9 h 57 min
